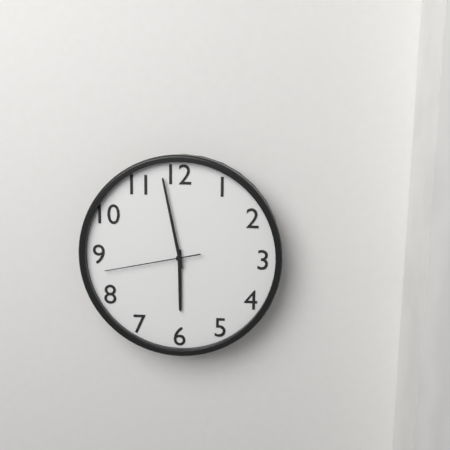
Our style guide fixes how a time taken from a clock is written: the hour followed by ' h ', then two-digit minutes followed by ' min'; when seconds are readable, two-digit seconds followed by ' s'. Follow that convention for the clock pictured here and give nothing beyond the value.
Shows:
5 h 58 min 43 s
